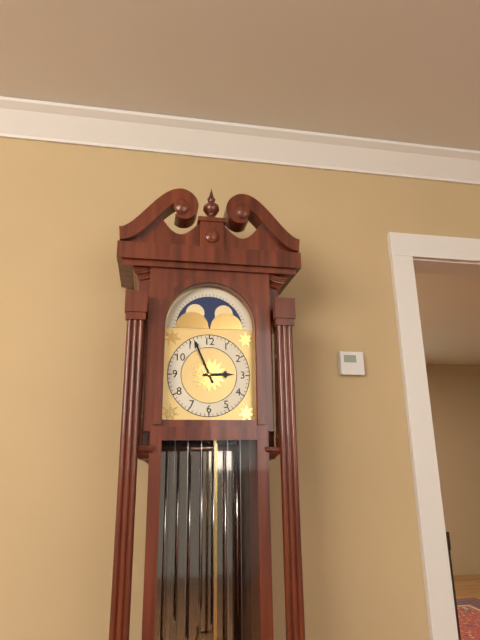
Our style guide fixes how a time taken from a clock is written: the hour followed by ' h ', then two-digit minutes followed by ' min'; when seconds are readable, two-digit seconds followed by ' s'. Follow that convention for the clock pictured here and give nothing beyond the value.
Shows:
2 h 56 min
